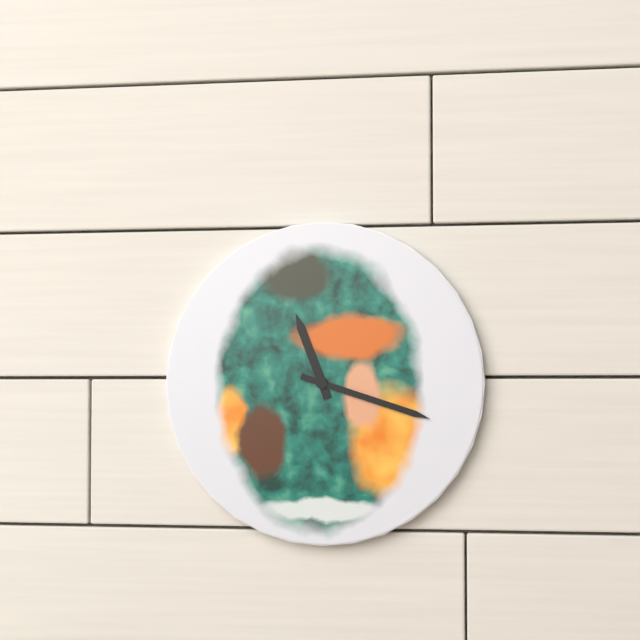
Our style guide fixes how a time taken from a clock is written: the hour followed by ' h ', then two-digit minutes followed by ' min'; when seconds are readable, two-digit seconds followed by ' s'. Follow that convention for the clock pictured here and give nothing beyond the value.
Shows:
11 h 18 min
